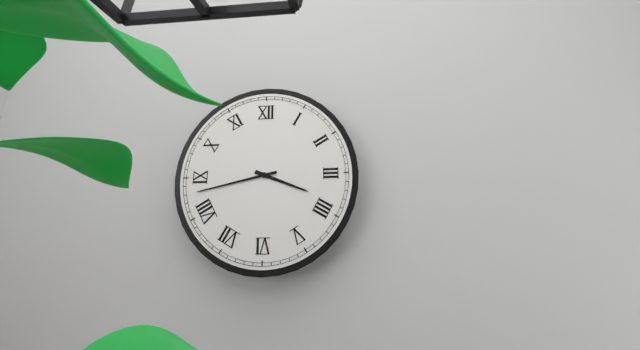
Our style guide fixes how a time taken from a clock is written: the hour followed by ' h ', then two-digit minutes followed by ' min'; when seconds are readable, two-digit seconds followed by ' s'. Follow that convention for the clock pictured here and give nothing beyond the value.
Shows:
3 h 43 min
